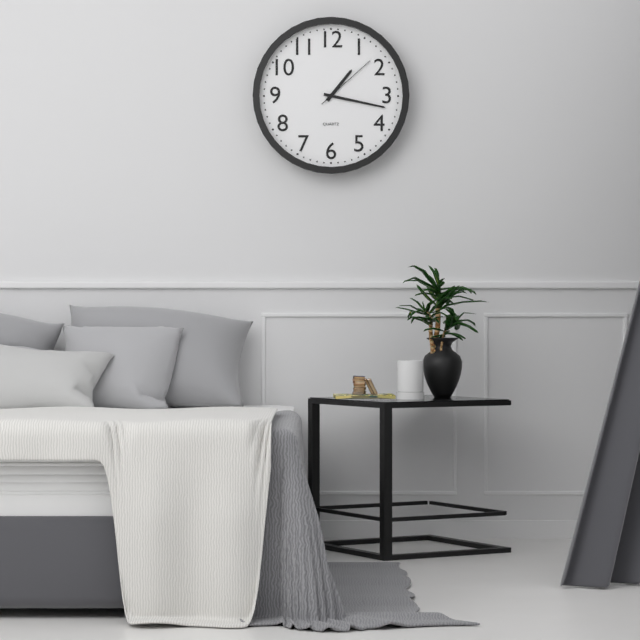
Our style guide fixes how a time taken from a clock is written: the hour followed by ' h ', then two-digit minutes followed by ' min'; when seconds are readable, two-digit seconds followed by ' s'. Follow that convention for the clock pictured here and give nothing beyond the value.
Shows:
1 h 17 min 08 s
